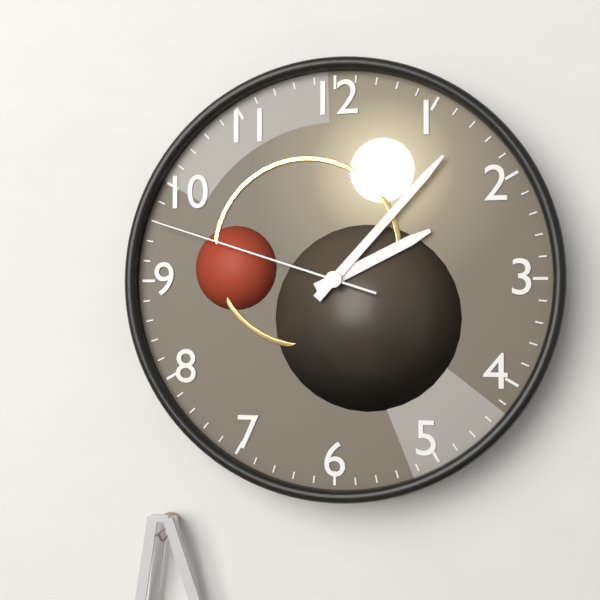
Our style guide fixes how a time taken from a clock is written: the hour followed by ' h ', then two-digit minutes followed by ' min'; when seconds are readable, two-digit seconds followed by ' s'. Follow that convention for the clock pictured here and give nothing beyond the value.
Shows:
2 h 07 min 48 s
